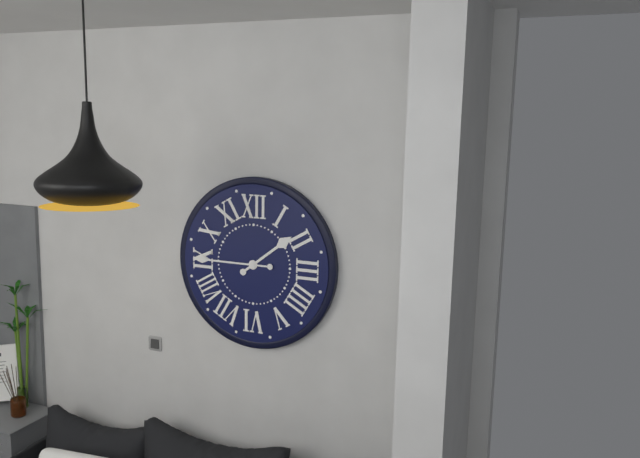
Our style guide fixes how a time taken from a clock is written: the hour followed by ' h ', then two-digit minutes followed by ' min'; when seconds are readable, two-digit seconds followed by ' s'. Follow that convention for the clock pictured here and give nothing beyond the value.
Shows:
1 h 45 min
